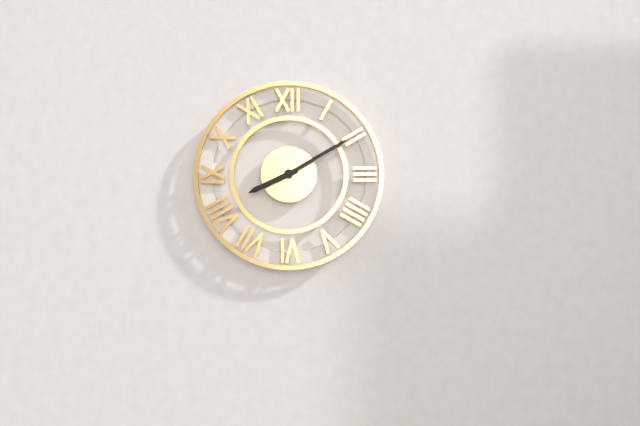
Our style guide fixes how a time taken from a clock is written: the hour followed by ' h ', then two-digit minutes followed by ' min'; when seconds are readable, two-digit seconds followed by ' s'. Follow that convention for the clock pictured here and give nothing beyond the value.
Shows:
8 h 10 min
